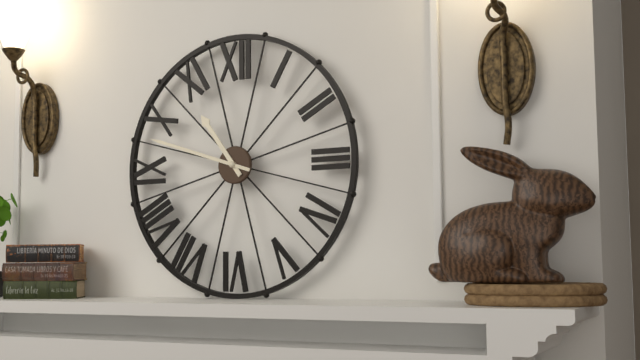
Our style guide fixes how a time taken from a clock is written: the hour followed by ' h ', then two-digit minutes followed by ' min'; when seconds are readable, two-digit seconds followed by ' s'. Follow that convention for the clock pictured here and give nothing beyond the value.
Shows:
10 h 48 min
